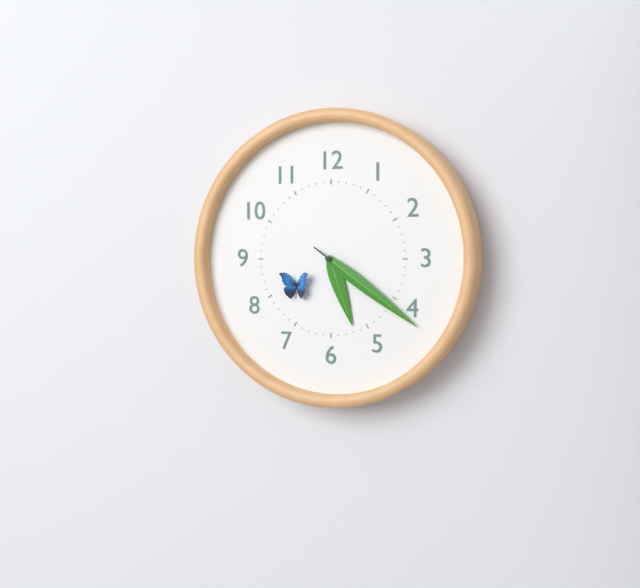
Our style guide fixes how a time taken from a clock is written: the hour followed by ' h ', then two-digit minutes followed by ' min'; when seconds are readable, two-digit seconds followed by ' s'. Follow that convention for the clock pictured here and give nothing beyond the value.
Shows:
5 h 21 min
